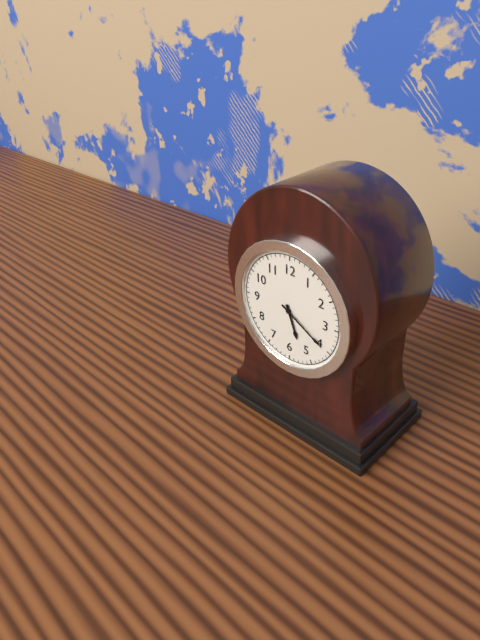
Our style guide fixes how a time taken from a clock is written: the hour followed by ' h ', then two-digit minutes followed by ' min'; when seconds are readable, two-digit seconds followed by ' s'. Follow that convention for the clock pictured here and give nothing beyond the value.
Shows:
5 h 20 min
